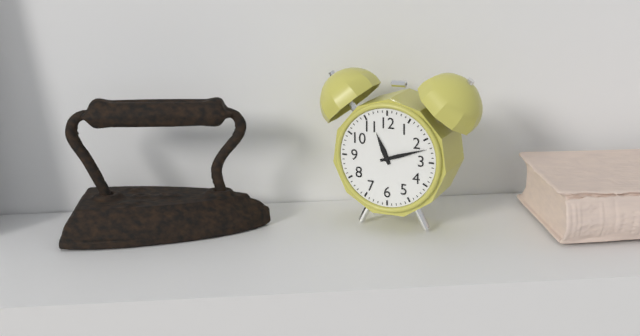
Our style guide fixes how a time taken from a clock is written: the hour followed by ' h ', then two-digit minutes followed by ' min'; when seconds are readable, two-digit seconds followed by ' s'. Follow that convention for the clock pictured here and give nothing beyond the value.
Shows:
11 h 12 min
